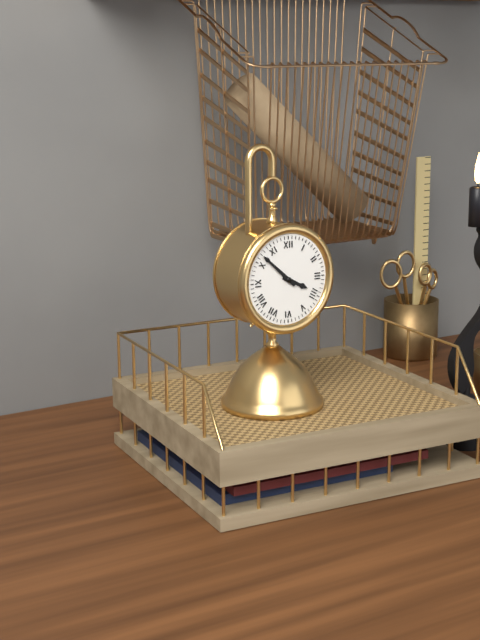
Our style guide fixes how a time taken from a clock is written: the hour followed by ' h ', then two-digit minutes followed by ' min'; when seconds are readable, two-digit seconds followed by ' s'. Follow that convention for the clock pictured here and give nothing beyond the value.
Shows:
3 h 52 min
